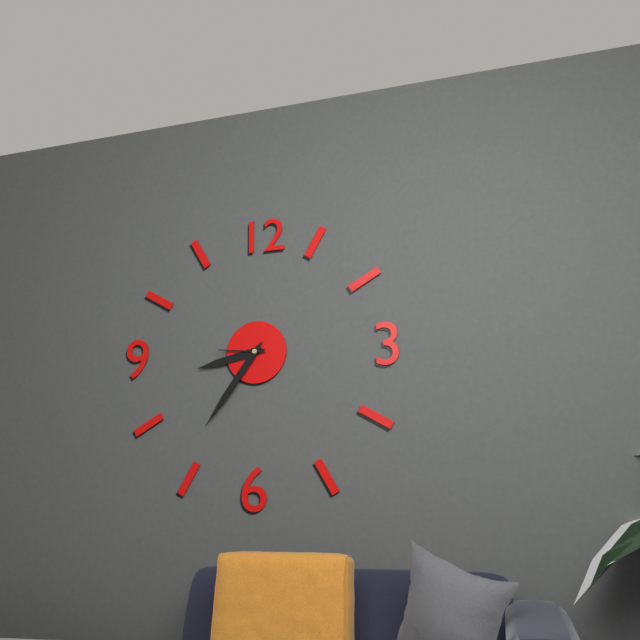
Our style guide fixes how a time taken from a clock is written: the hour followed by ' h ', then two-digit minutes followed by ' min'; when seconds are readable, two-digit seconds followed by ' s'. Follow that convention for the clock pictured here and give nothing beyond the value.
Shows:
8 h 36 min
